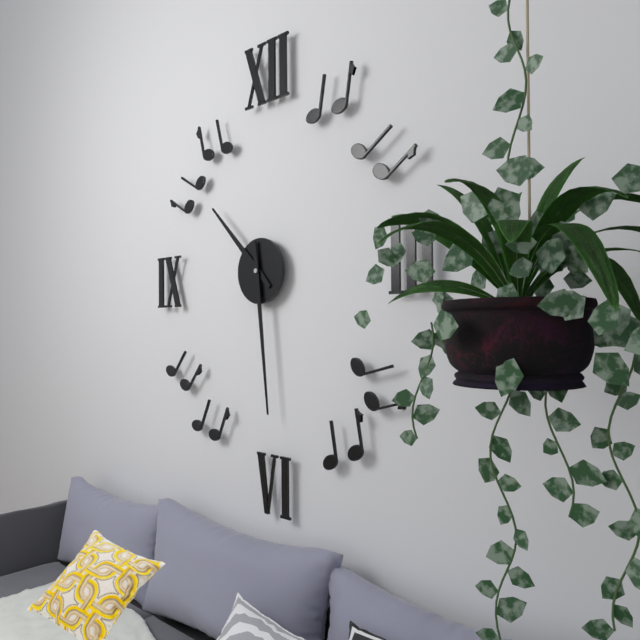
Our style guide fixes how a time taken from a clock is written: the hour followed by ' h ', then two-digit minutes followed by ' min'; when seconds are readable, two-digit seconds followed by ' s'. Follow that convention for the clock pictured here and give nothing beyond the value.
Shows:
10 h 29 min
